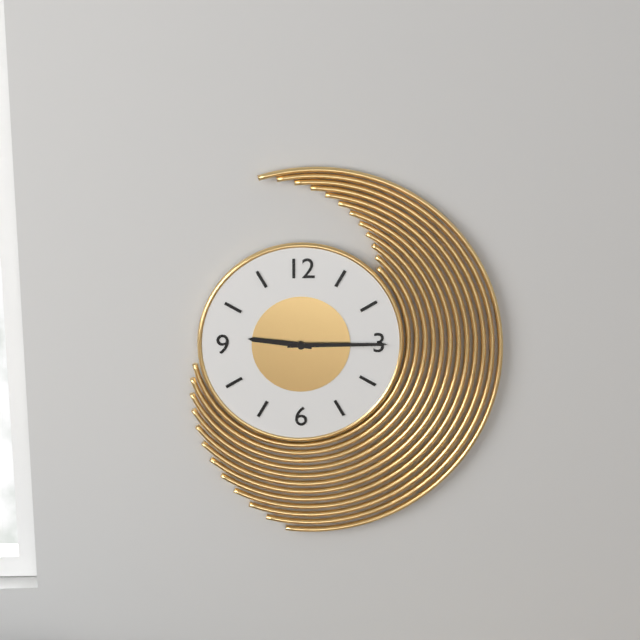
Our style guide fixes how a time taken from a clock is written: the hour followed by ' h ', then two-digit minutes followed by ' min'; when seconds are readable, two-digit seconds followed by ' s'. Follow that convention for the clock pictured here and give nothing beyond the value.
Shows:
9 h 15 min
